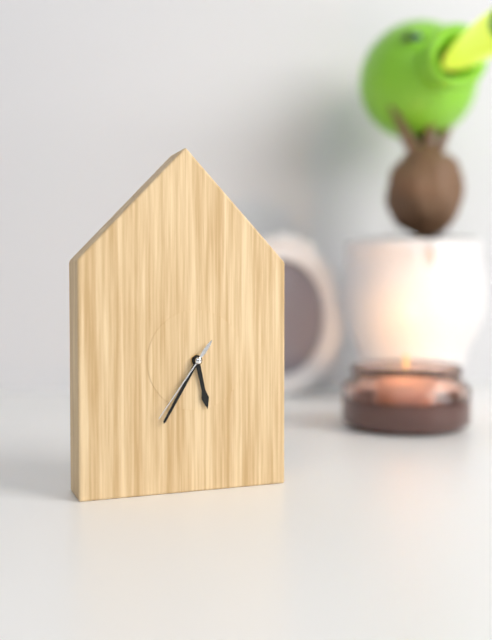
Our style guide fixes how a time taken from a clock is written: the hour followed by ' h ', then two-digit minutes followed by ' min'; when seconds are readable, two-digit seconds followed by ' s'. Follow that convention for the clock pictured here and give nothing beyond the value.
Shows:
5 h 35 min 36 s
